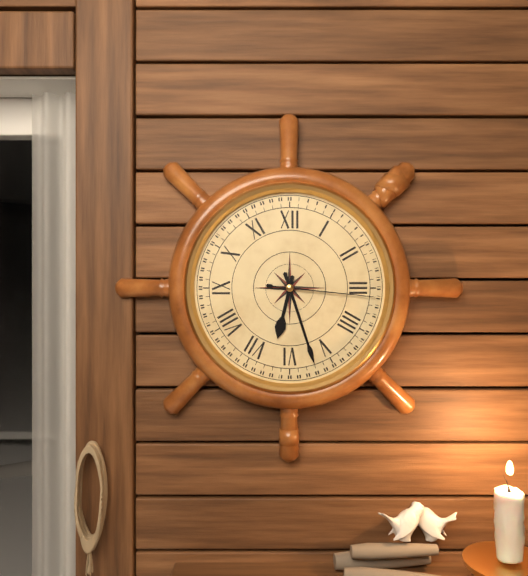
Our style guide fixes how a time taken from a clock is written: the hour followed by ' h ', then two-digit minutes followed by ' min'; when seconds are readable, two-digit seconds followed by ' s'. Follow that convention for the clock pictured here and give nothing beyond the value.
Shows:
6 h 27 min 16 s
